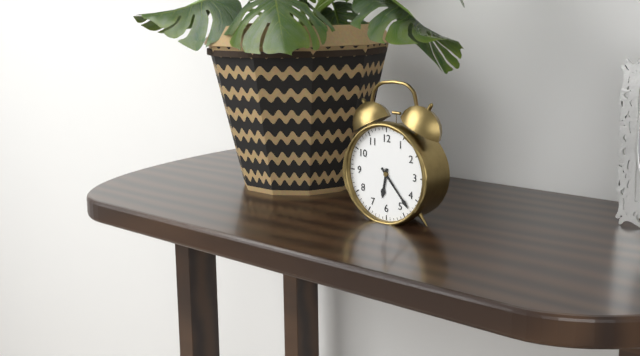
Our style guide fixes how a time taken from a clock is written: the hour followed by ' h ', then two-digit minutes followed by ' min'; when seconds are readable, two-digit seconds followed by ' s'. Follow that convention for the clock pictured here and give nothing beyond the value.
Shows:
6 h 23 min
